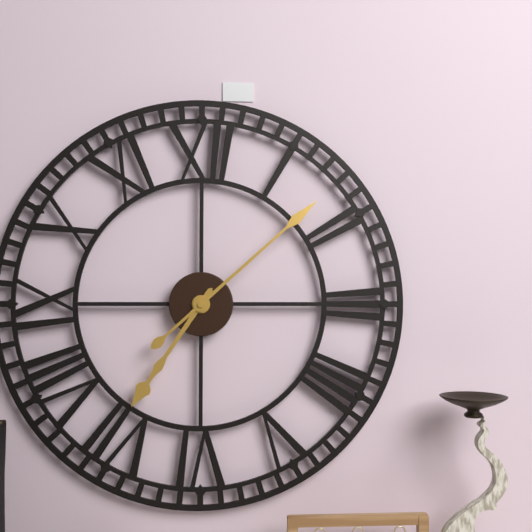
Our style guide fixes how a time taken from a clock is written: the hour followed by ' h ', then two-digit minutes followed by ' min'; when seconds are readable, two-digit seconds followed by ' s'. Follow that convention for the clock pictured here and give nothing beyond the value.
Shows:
7 h 08 min
